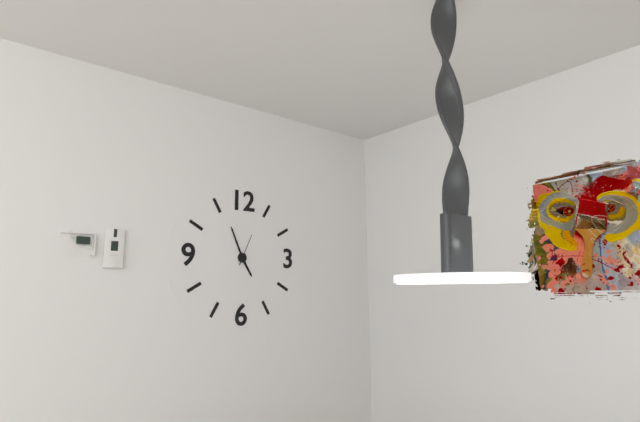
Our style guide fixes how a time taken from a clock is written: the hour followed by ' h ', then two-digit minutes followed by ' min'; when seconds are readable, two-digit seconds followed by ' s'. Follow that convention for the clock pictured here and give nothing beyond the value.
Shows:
4 h 56 min
